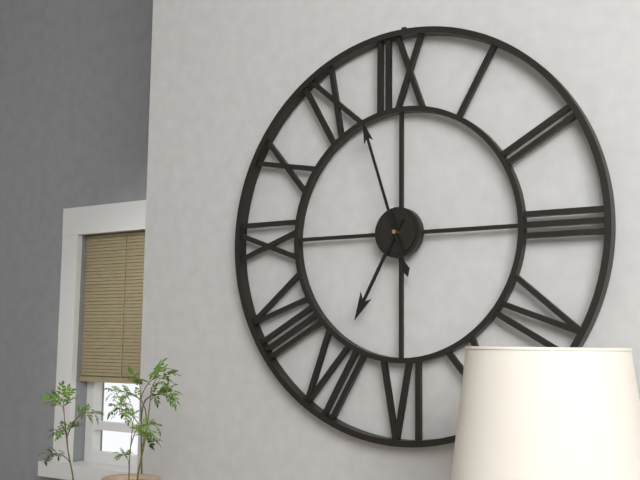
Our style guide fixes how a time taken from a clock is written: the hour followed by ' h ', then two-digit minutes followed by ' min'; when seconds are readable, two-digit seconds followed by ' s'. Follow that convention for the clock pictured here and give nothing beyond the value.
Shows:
6 h 57 min
